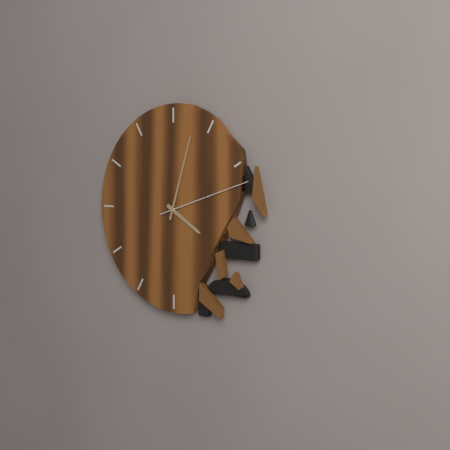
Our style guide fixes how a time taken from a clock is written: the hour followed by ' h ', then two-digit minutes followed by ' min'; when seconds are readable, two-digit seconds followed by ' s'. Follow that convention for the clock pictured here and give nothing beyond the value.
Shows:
4 h 03 min 12 s
